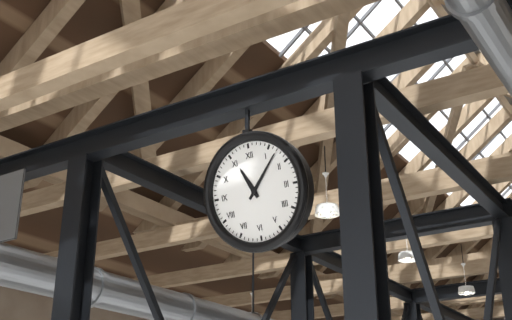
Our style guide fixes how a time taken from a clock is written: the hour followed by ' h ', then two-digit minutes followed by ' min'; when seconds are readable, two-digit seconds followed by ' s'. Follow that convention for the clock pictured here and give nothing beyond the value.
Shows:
11 h 07 min
